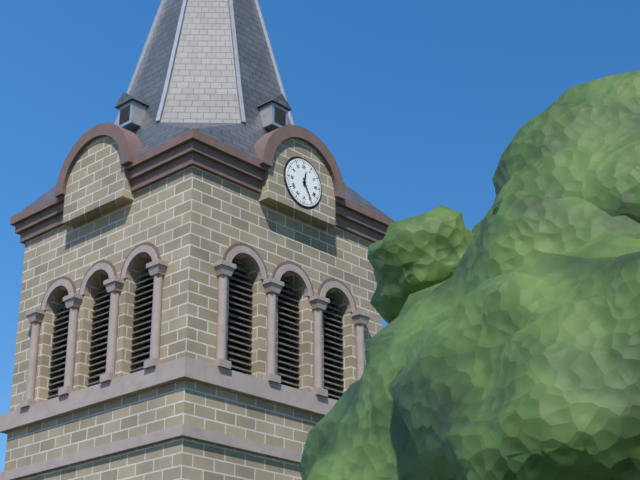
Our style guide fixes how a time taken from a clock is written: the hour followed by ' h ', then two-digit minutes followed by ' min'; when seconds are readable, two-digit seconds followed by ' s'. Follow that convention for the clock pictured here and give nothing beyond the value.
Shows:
12 h 25 min
